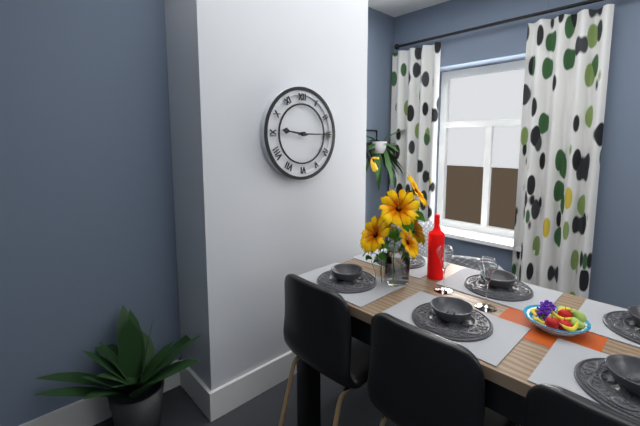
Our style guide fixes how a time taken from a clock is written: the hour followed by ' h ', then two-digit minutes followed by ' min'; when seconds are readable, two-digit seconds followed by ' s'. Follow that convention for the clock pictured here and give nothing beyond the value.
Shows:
9 h 15 min
